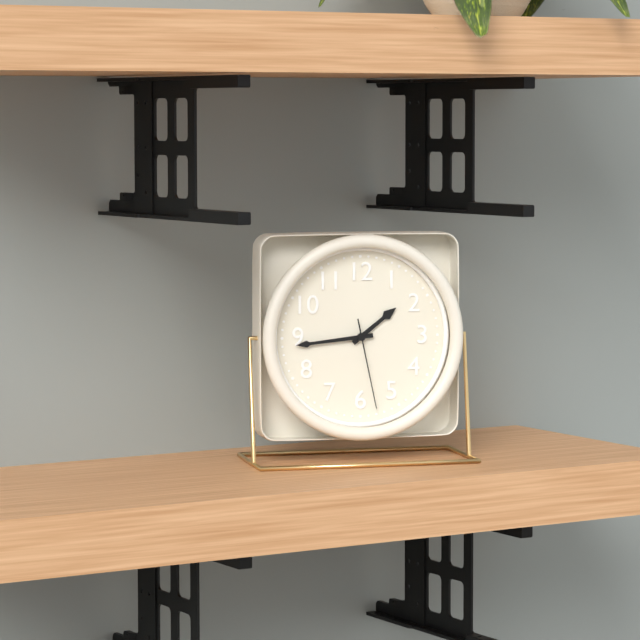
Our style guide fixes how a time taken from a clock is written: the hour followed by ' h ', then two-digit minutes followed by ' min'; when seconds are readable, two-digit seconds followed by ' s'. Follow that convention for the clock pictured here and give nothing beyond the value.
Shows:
1 h 44 min 28 s
